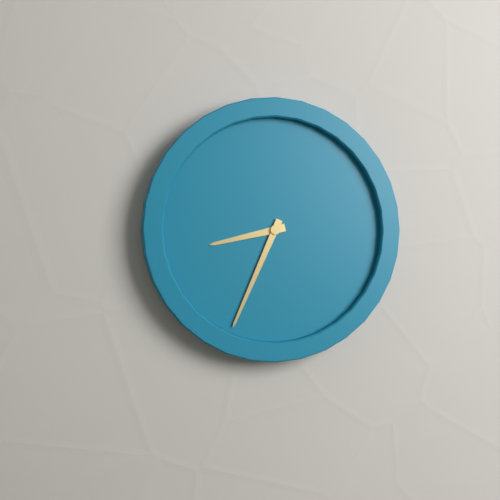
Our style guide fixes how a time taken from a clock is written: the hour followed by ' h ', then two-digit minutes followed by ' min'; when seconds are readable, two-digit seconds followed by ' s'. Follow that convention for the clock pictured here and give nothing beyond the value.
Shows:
8 h 34 min
